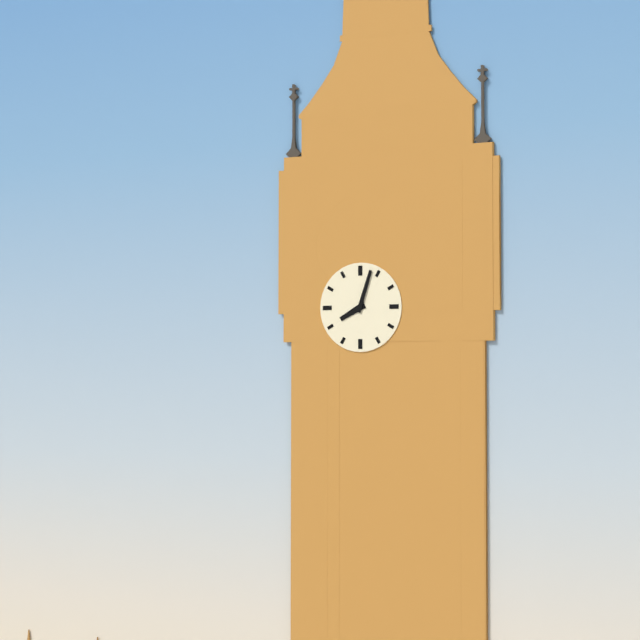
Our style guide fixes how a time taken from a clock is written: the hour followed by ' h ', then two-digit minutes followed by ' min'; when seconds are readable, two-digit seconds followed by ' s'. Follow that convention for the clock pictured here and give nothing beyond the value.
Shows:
8 h 03 min
